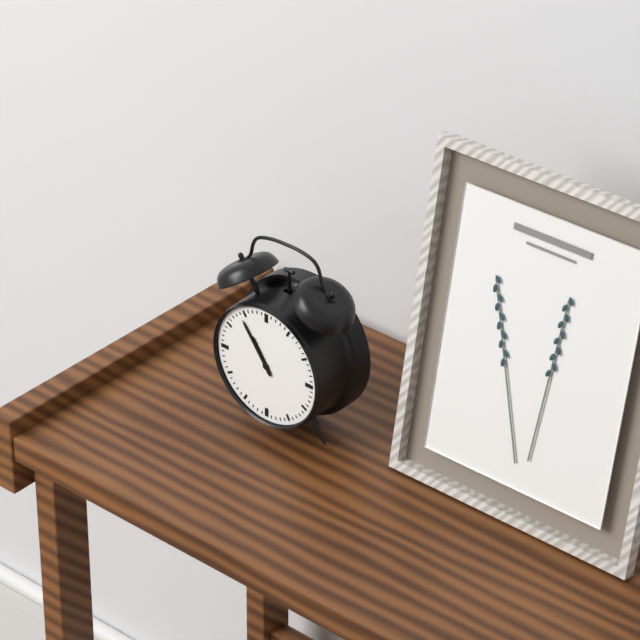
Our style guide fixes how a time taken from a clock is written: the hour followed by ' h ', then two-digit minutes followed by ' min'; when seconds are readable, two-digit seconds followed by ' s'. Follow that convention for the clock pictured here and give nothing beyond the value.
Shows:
10 h 54 min
